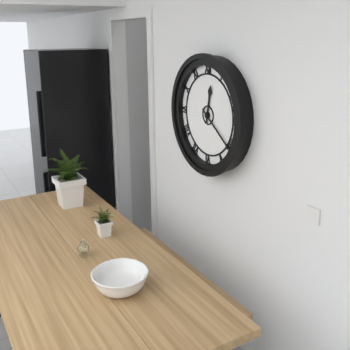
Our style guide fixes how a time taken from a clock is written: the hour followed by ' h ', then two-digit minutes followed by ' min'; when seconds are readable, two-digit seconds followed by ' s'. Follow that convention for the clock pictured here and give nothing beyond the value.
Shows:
12 h 21 min
